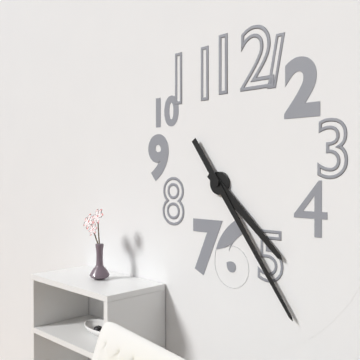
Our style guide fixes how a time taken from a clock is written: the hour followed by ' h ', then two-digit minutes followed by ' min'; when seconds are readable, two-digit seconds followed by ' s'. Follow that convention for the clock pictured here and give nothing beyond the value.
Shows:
4 h 24 min
